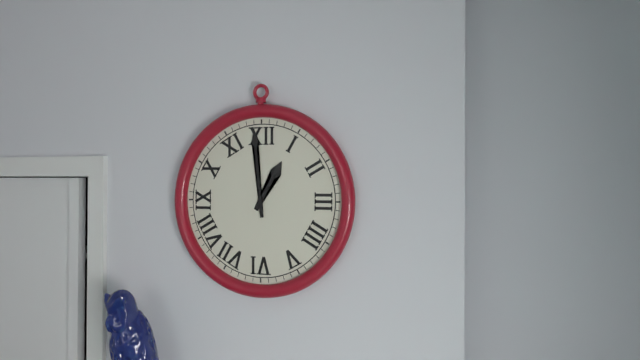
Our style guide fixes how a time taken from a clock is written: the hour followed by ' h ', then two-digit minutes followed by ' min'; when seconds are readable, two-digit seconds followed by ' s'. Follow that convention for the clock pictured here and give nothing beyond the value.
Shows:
12 h 59 min
